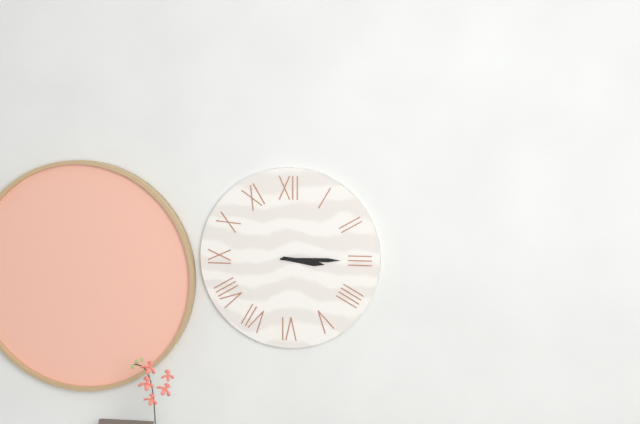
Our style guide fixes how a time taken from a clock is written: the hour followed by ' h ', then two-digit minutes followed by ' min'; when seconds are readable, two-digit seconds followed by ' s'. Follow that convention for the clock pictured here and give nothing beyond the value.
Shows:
3 h 15 min
